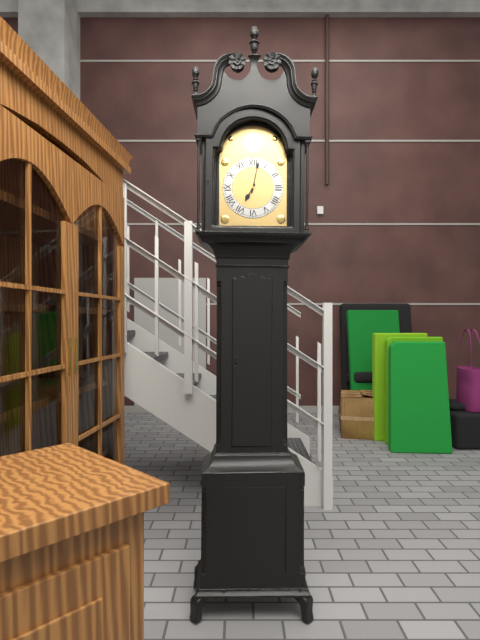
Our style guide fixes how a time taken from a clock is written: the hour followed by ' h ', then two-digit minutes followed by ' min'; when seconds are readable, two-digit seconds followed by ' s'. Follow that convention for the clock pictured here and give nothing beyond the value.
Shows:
7 h 02 min
